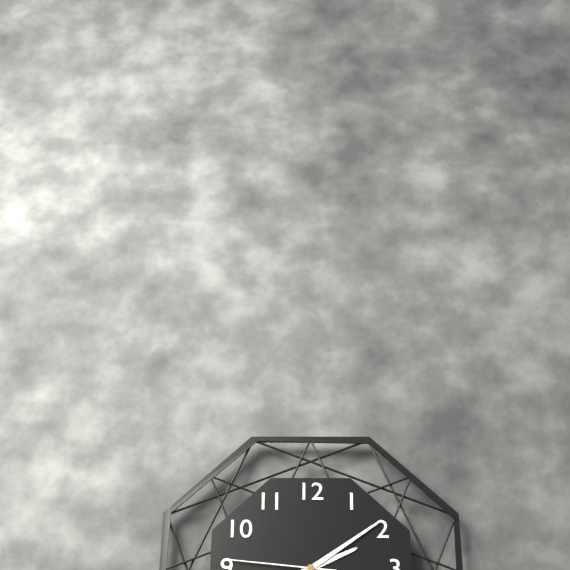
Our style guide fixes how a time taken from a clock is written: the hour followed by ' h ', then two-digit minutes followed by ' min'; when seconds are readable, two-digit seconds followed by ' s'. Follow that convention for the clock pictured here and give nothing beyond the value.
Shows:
2 h 09 min 46 s
